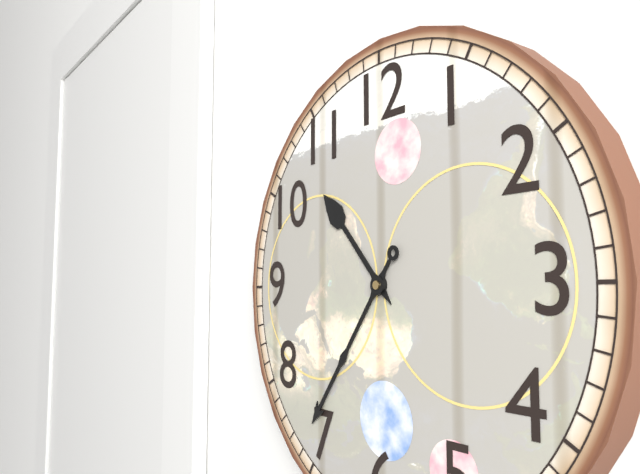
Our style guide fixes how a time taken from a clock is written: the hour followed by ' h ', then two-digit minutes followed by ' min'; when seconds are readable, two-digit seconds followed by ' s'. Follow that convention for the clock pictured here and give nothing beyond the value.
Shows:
10 h 36 min
